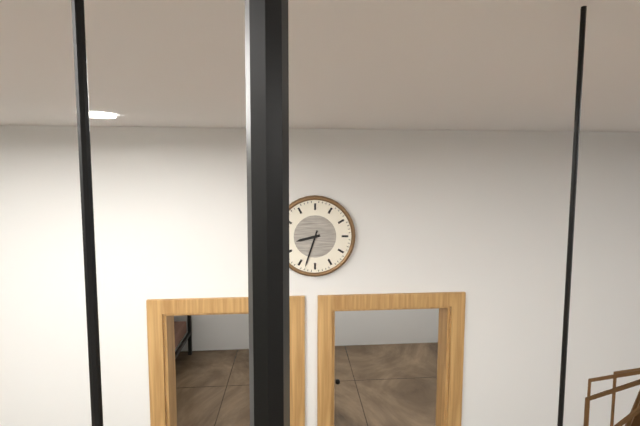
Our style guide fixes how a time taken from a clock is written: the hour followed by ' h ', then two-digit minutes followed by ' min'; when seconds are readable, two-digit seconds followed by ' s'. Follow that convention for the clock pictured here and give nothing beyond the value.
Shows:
8 h 33 min
